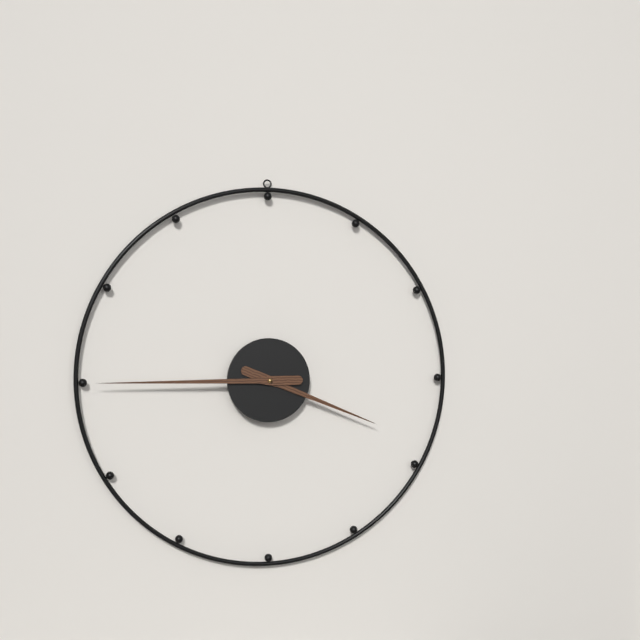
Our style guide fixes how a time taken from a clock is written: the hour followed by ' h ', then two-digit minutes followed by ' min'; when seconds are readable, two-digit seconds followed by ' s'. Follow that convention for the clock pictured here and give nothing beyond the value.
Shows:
3 h 45 min
